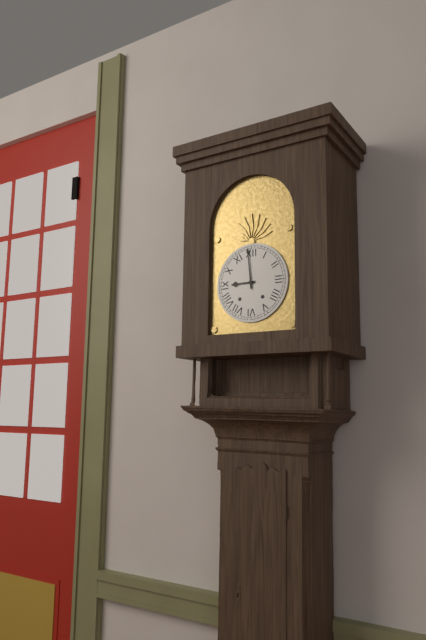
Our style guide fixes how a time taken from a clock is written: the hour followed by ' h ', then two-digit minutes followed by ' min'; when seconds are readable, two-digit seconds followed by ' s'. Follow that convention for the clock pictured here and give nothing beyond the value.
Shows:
8 h 59 min
